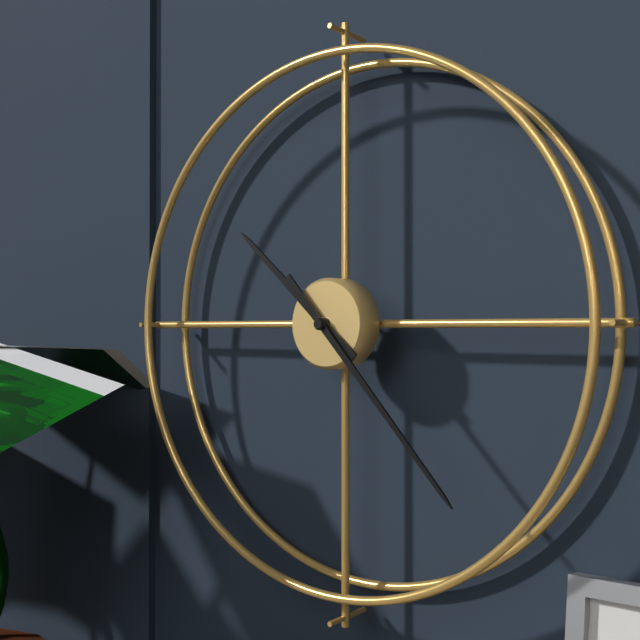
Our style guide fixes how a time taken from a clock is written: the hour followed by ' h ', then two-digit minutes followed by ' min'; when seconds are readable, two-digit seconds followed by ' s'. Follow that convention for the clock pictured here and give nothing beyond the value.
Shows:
10 h 23 min
